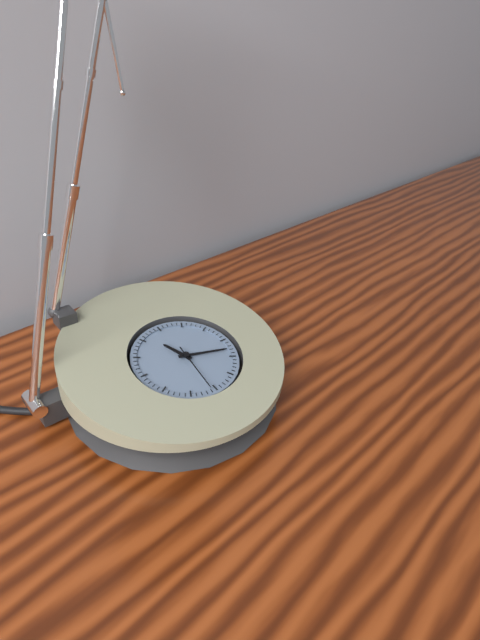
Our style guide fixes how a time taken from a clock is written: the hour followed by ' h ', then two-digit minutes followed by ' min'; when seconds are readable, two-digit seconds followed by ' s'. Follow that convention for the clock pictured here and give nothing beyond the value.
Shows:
11 h 18 min
